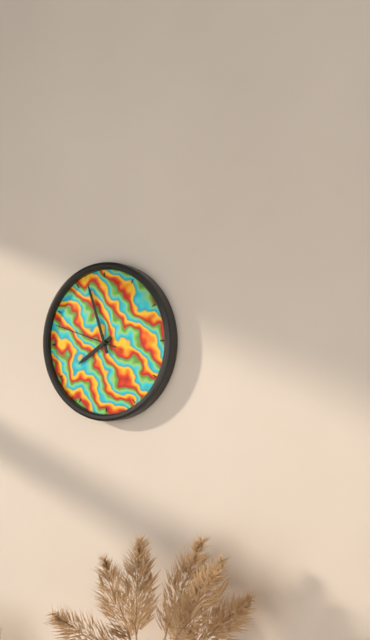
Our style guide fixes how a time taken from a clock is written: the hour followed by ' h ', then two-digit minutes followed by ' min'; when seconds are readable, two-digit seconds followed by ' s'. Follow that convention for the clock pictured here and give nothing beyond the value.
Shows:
7 h 57 min 48 s
